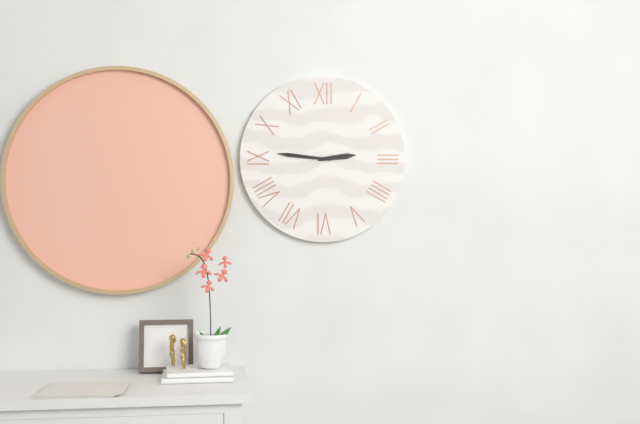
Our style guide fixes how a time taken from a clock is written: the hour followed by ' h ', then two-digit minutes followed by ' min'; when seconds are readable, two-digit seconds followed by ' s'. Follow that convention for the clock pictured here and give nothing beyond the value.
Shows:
2 h 46 min
